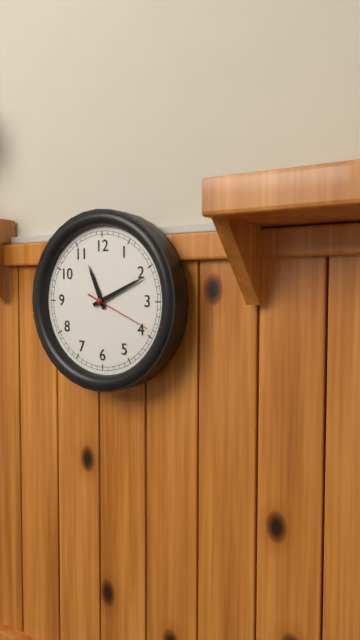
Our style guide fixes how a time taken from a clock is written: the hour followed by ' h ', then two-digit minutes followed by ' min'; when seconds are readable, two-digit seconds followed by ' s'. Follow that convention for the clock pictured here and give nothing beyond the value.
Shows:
11 h 11 min 19 s
